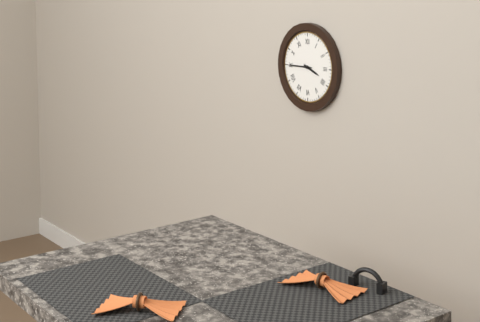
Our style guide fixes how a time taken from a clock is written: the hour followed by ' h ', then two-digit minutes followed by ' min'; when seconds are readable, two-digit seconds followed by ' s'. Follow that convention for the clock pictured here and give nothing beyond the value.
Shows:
3 h 45 min
